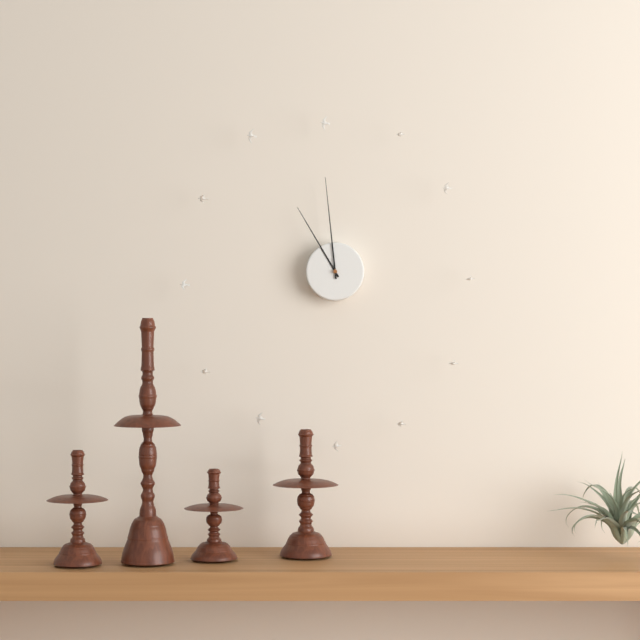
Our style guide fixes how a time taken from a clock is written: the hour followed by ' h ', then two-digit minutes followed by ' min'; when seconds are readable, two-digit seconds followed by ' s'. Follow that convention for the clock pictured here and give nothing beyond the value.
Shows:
10 h 59 min
